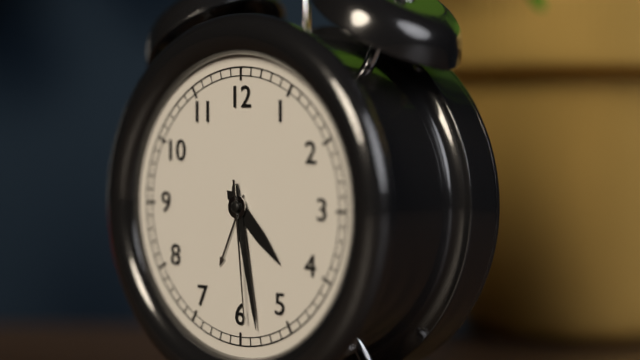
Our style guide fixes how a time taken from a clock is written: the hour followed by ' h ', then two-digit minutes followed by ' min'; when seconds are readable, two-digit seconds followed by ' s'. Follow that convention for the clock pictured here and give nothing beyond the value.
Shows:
4 h 28 min 29 s
